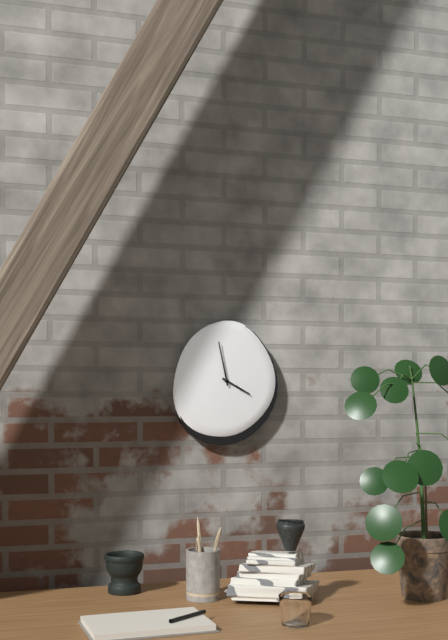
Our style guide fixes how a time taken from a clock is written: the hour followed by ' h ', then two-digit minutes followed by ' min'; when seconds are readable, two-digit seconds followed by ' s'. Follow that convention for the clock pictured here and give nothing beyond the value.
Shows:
3 h 58 min
